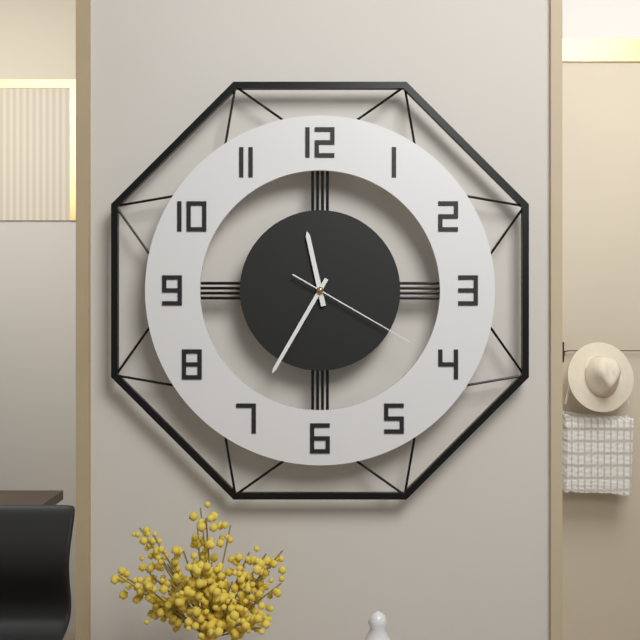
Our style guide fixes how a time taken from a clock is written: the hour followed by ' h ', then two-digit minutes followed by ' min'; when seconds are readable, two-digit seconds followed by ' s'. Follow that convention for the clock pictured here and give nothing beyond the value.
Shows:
11 h 35 min 20 s
